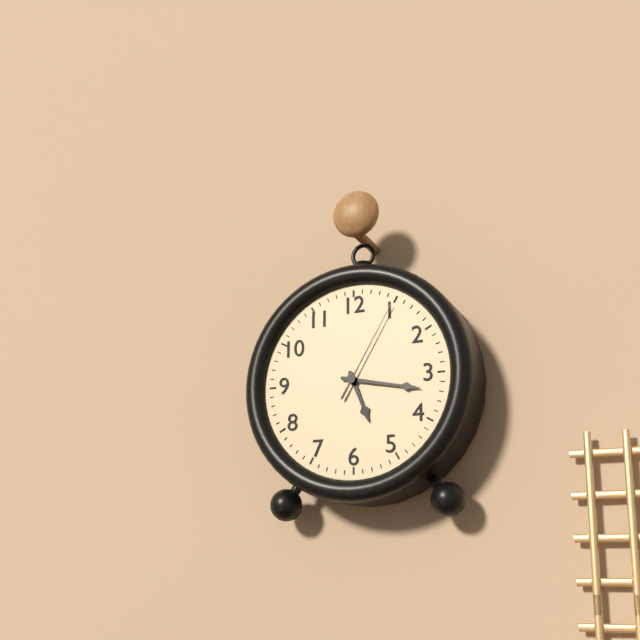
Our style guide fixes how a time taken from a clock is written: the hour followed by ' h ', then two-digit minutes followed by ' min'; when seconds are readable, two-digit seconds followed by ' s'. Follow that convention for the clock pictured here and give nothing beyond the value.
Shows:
5 h 17 min 05 s
